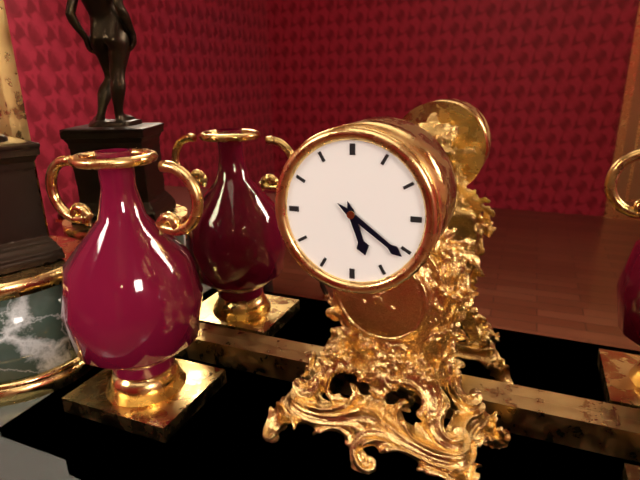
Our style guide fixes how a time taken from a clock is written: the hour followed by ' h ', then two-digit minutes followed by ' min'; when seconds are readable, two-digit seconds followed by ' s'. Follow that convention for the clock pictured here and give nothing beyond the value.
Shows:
5 h 21 min
